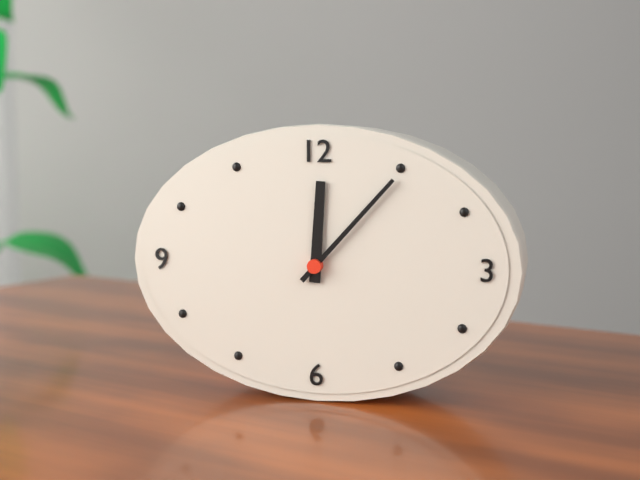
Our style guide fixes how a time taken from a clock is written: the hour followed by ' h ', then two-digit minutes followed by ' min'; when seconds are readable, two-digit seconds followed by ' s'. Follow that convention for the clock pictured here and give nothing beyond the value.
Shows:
12 h 07 min
